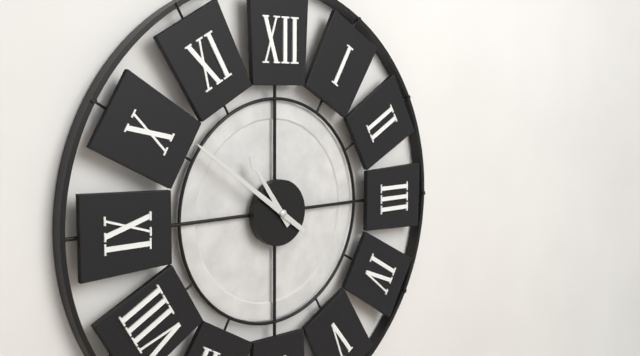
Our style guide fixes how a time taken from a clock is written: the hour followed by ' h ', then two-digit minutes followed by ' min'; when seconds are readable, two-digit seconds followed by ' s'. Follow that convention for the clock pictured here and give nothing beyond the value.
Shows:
10 h 51 min
